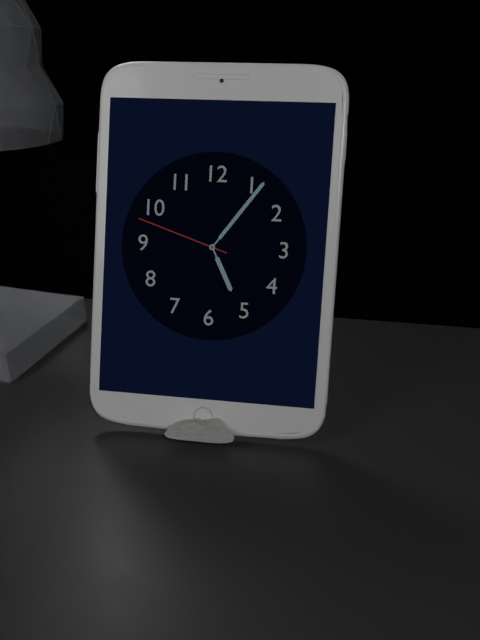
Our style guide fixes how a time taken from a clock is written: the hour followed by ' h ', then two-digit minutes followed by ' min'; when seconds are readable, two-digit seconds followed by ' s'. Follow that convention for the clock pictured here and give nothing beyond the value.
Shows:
5 h 06 min 48 s
